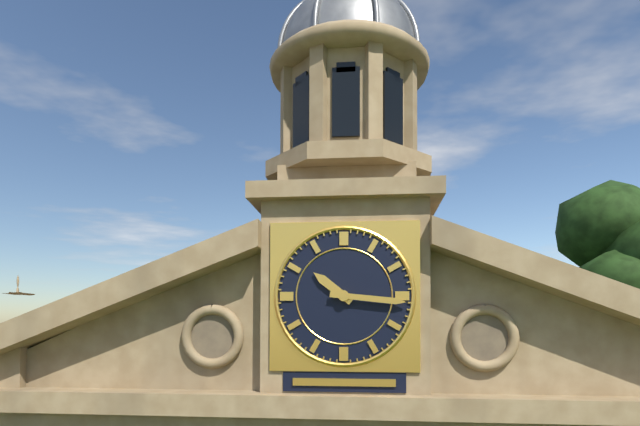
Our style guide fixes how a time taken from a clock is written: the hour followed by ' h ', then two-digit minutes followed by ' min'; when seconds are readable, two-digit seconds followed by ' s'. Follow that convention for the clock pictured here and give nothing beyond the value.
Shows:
10 h 16 min
